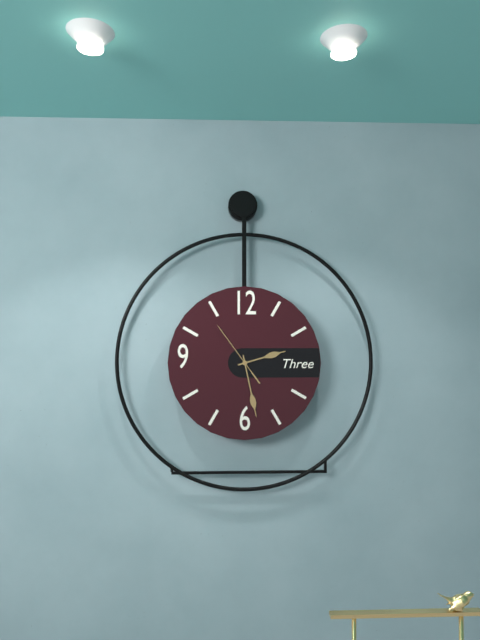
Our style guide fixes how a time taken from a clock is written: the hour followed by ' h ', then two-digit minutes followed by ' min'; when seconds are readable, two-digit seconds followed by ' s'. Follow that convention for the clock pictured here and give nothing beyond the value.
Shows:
2 h 28 min 54 s
